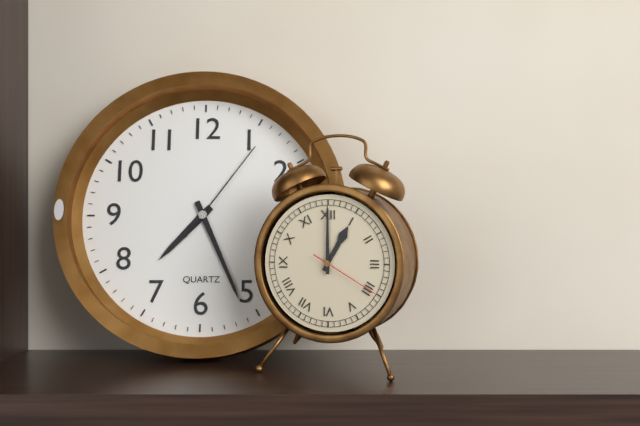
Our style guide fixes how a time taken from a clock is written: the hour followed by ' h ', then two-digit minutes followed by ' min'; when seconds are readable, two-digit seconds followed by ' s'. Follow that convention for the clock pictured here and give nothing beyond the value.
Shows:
7 h 26 min 06 s
